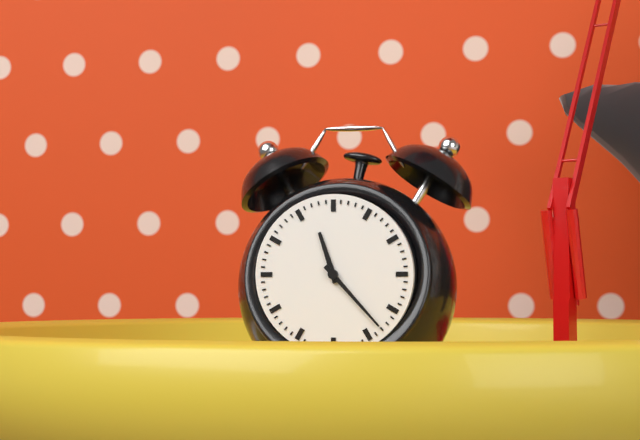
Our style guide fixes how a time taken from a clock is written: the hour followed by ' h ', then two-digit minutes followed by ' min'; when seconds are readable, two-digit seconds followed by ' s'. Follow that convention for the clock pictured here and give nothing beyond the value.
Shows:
11 h 23 min
